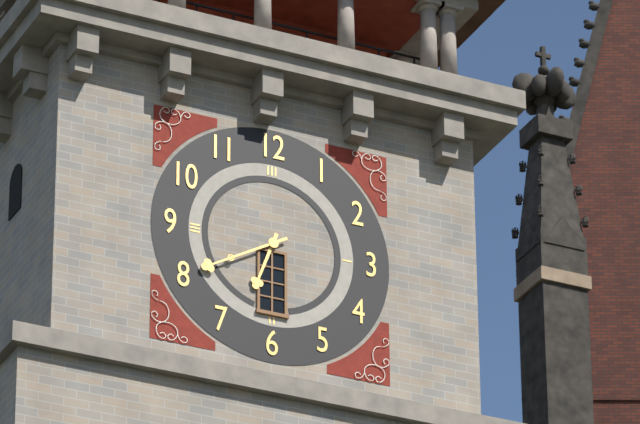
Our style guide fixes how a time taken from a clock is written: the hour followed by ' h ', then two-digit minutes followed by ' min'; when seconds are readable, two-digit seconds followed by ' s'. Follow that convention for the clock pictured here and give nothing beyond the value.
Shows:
6 h 40 min
